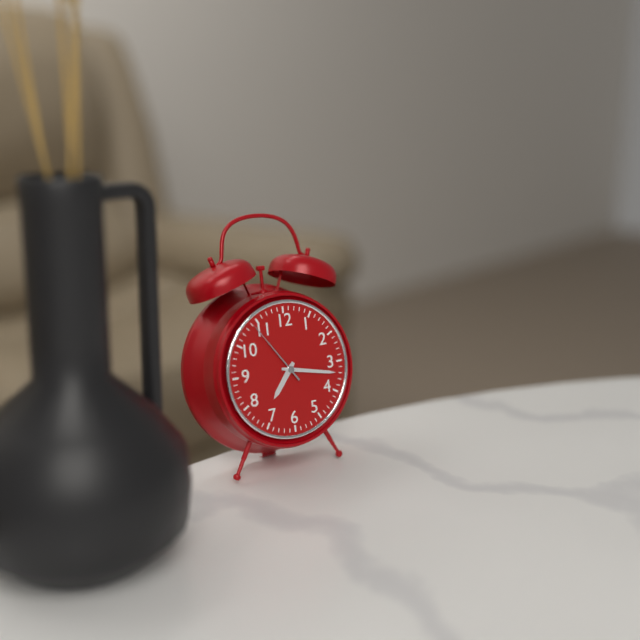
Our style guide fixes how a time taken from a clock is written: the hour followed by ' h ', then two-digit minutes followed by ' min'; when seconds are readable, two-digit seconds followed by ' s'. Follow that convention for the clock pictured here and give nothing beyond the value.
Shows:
7 h 17 min 54 s
